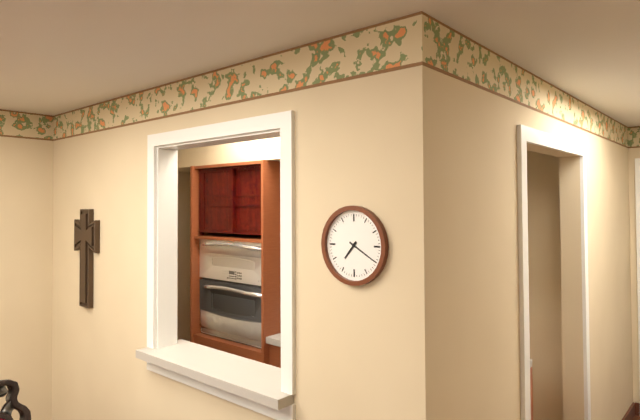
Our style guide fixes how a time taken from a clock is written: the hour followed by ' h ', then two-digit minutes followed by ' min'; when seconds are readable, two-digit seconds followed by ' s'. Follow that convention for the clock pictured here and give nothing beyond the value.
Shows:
7 h 20 min
